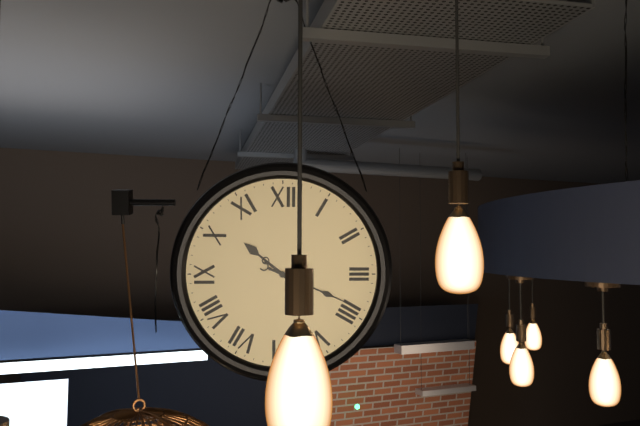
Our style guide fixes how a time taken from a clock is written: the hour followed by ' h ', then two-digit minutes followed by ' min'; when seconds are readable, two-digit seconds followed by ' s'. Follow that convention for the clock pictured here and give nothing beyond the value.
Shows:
10 h 19 min
